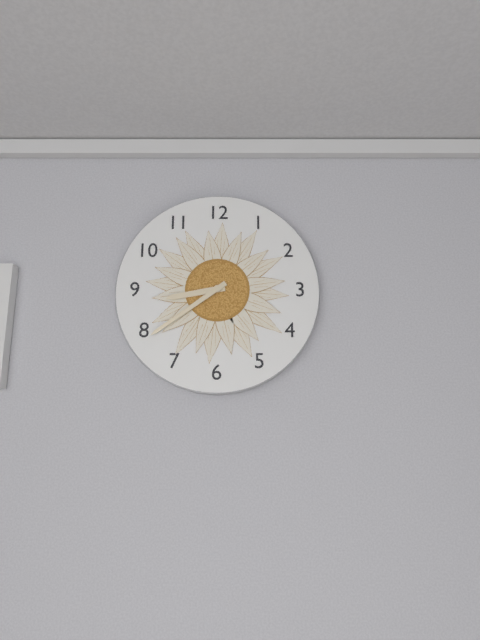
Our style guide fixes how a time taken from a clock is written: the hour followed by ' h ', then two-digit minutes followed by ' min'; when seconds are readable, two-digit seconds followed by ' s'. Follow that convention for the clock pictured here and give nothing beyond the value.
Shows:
8 h 39 min
